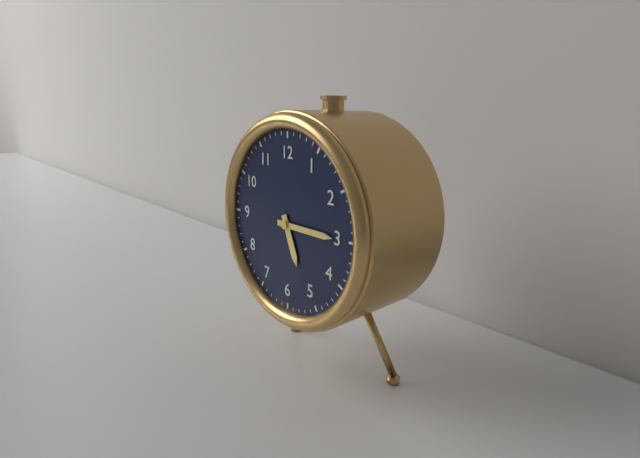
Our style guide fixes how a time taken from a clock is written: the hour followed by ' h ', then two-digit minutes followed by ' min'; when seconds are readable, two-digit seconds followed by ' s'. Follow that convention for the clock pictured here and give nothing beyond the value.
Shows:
5 h 15 min
